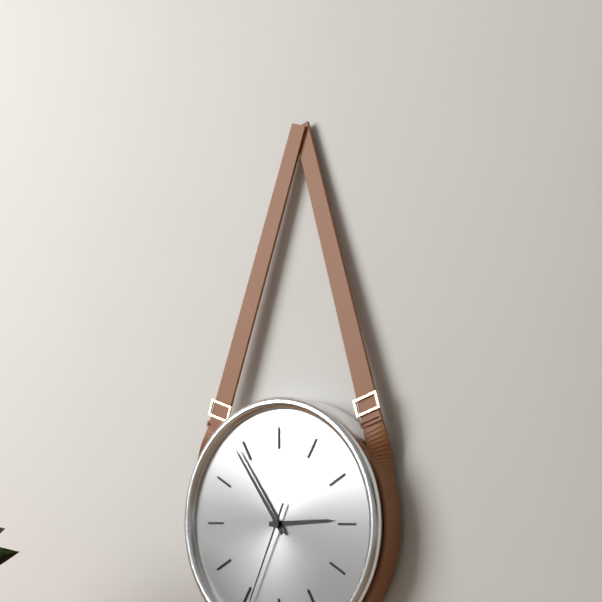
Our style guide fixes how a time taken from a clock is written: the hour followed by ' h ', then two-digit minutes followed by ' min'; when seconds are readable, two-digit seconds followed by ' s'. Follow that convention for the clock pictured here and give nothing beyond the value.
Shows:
2 h 54 min
